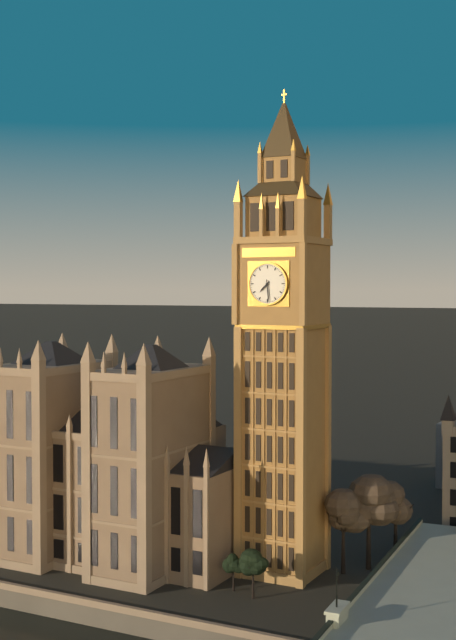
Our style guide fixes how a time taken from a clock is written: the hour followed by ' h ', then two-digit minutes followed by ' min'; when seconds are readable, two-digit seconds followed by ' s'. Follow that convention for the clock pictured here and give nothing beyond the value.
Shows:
7 h 29 min
